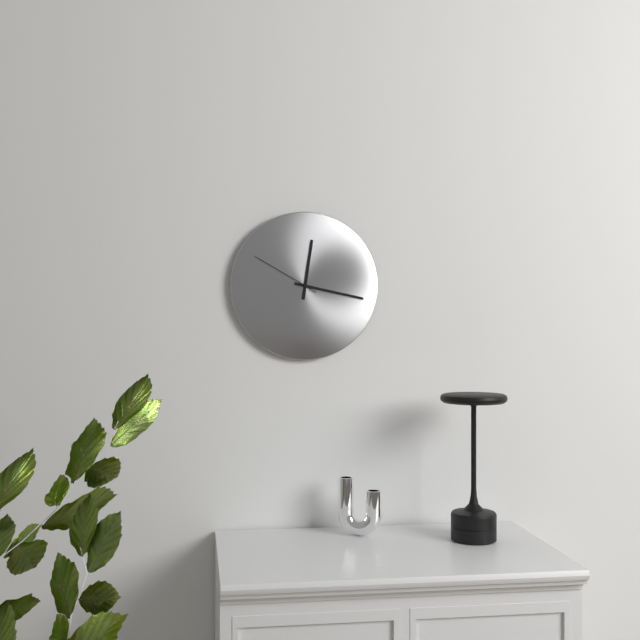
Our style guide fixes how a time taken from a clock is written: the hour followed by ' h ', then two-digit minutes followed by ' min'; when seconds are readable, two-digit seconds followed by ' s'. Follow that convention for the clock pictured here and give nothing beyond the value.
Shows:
12 h 17 min 50 s
